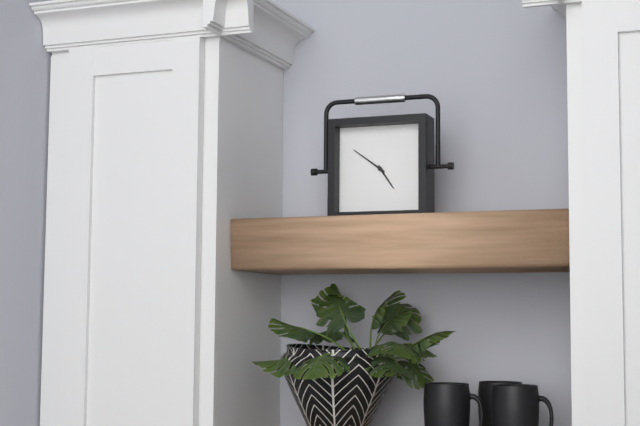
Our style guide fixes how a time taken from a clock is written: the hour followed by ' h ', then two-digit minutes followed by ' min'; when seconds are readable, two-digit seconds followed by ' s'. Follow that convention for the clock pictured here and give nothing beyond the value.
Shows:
4 h 51 min
